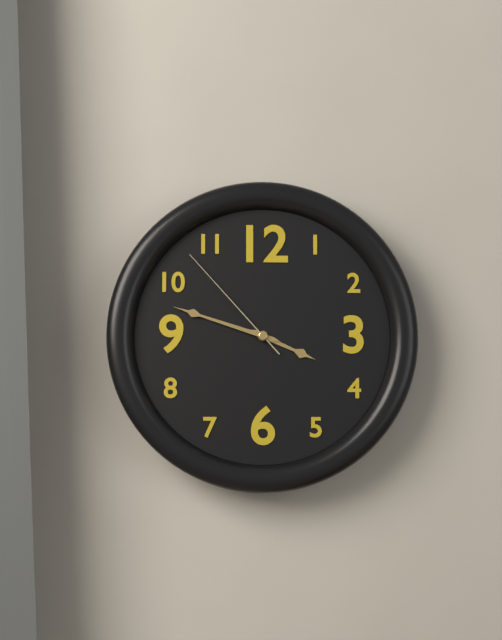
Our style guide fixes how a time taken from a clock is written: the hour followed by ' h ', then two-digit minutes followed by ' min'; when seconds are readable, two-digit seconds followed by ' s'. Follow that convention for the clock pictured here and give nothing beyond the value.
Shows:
3 h 48 min 53 s
